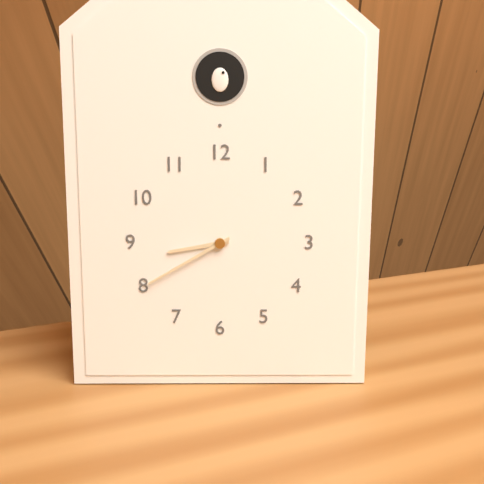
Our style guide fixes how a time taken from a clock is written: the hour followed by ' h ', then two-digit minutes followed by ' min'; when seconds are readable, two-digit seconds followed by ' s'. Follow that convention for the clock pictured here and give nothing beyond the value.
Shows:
8 h 40 min
